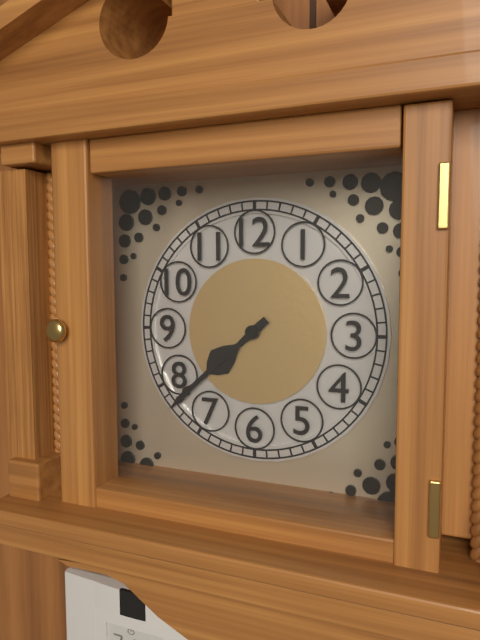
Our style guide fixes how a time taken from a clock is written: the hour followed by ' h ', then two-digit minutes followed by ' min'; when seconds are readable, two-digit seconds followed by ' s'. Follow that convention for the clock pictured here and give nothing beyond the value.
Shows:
7 h 38 min
